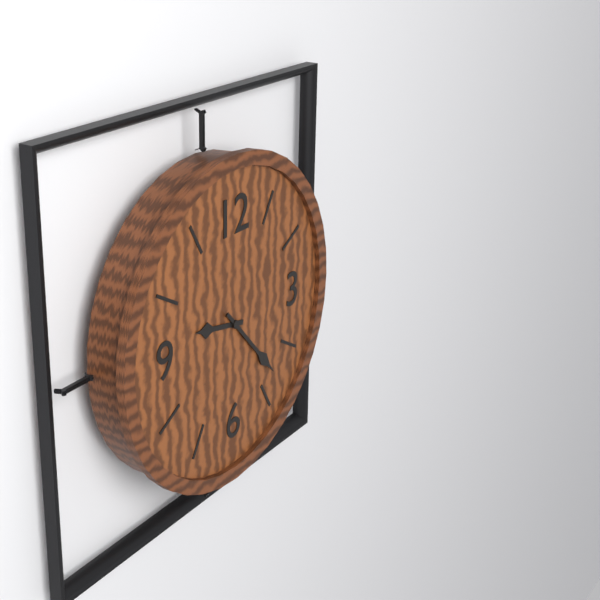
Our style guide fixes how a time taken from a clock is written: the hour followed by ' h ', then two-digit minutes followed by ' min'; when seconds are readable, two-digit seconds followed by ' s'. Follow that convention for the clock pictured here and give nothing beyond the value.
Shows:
9 h 23 min
